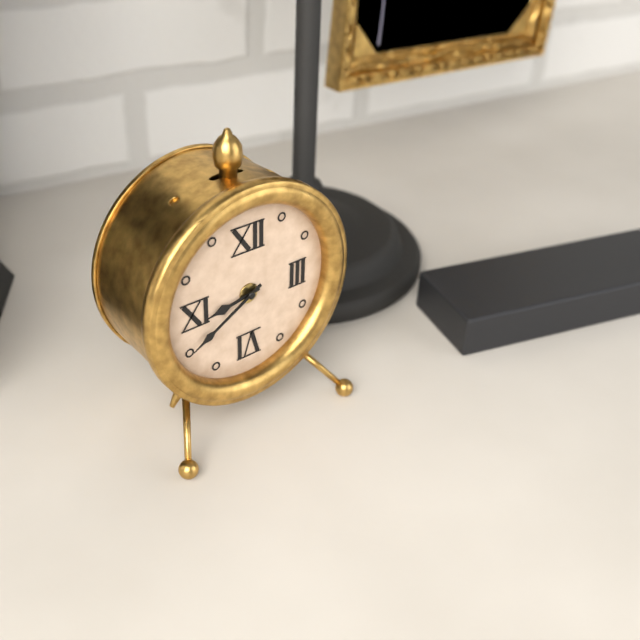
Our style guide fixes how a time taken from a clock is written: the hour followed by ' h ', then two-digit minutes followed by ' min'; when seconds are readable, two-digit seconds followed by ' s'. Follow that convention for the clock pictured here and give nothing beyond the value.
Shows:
8 h 40 min
